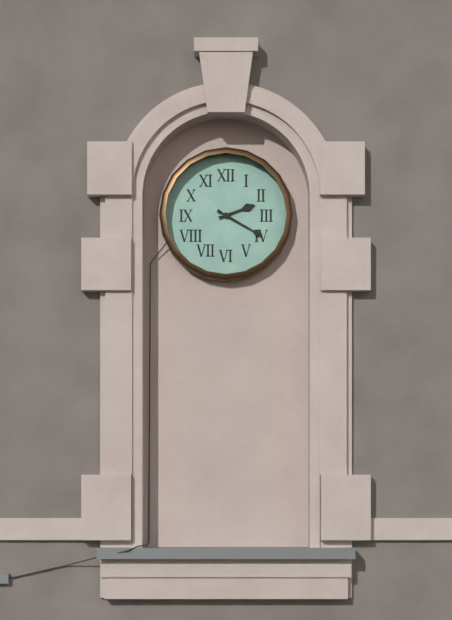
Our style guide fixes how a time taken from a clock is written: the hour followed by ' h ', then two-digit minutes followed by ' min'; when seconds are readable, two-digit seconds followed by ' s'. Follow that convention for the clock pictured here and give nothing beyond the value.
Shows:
2 h 20 min
